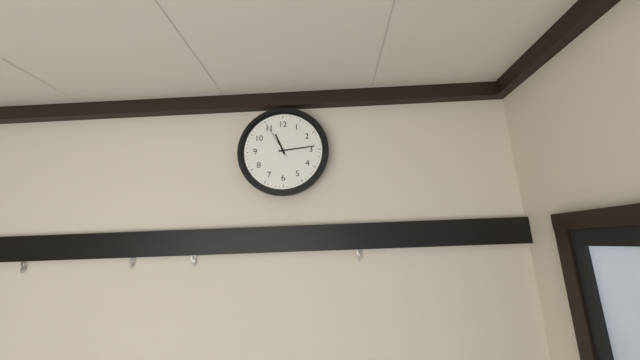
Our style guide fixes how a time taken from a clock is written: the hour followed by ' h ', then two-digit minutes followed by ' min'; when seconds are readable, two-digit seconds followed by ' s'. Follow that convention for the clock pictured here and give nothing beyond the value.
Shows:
11 h 14 min
